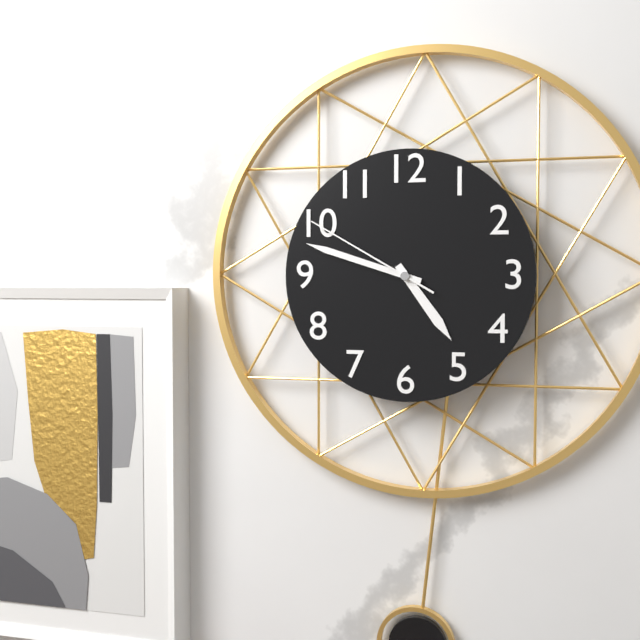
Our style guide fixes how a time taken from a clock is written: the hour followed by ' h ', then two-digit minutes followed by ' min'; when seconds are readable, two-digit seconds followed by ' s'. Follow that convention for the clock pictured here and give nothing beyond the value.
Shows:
4 h 48 min 50 s
